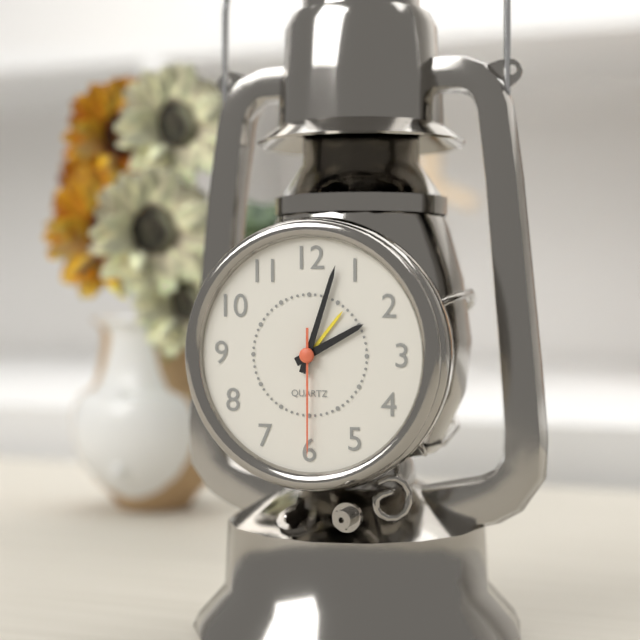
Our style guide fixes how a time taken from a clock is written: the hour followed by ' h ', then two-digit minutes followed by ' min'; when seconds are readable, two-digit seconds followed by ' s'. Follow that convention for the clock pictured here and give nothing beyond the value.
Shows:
2 h 03 min 30 s
